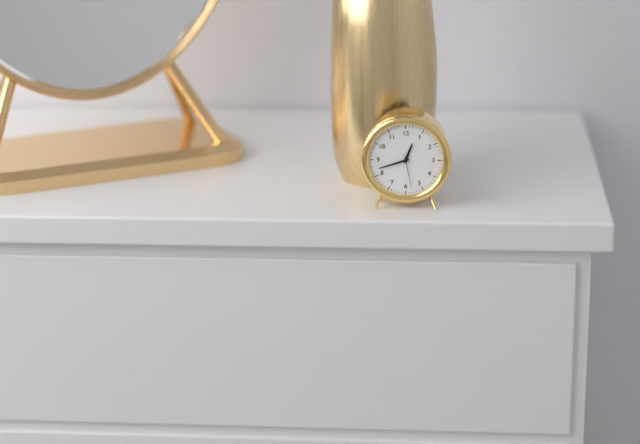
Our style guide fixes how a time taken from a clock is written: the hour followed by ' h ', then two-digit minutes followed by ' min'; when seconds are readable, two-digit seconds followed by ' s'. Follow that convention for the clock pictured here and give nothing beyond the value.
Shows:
12 h 42 min
